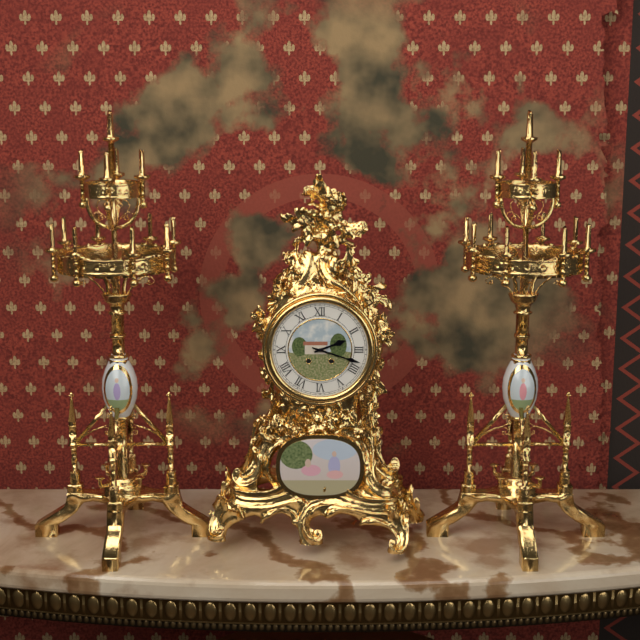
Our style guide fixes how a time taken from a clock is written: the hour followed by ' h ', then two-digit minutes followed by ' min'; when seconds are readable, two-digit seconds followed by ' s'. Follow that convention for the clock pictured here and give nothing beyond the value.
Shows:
2 h 18 min
